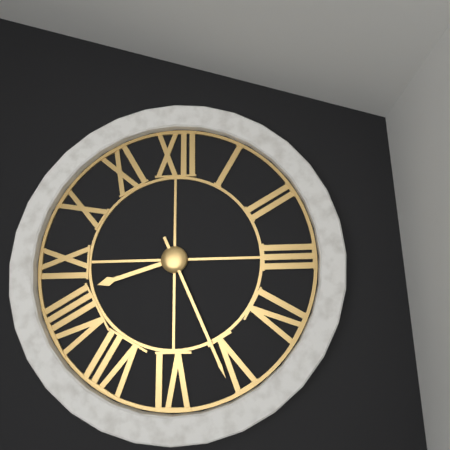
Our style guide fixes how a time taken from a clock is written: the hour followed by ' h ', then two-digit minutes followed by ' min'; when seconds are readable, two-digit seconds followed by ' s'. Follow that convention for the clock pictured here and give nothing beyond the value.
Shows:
8 h 26 min
